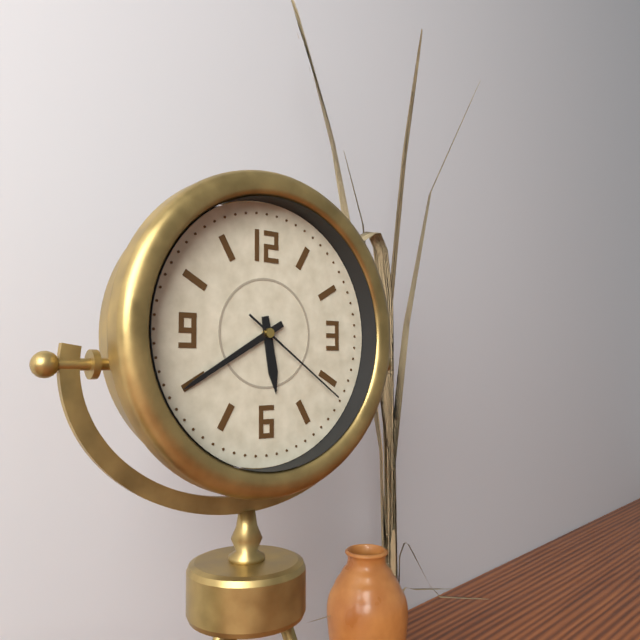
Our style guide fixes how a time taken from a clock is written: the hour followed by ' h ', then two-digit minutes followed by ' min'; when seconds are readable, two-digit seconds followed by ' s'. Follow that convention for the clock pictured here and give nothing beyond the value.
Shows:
5 h 40 min 21 s
